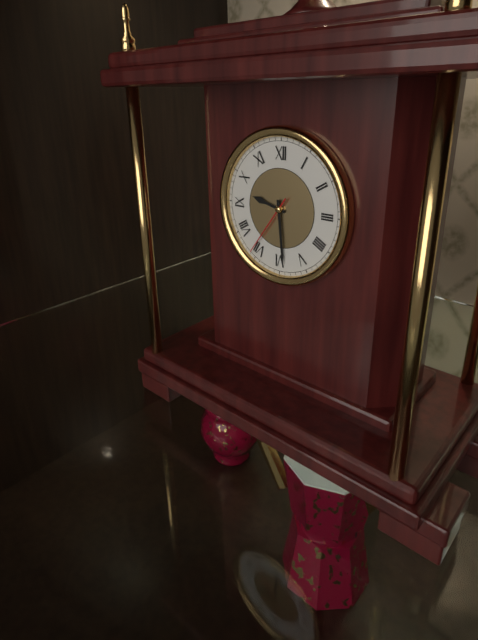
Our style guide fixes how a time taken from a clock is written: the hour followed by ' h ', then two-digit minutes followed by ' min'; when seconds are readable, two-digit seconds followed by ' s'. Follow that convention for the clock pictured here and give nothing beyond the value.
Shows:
9 h 29 min 36 s
